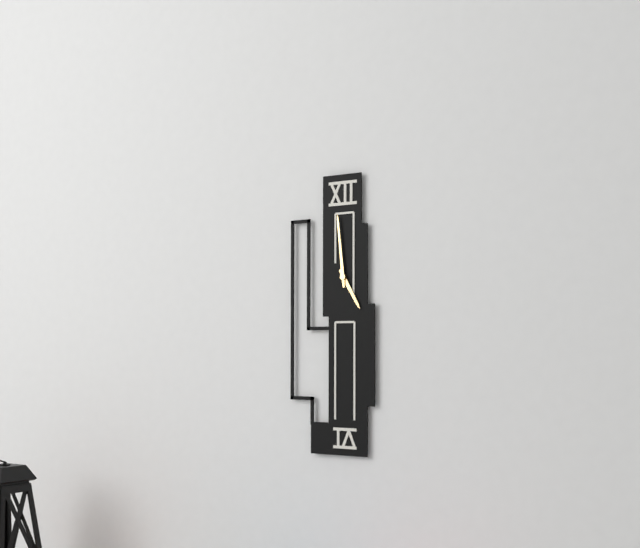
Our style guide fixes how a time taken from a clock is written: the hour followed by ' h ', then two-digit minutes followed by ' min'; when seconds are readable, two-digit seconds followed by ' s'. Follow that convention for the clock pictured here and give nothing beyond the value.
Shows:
4 h 59 min
